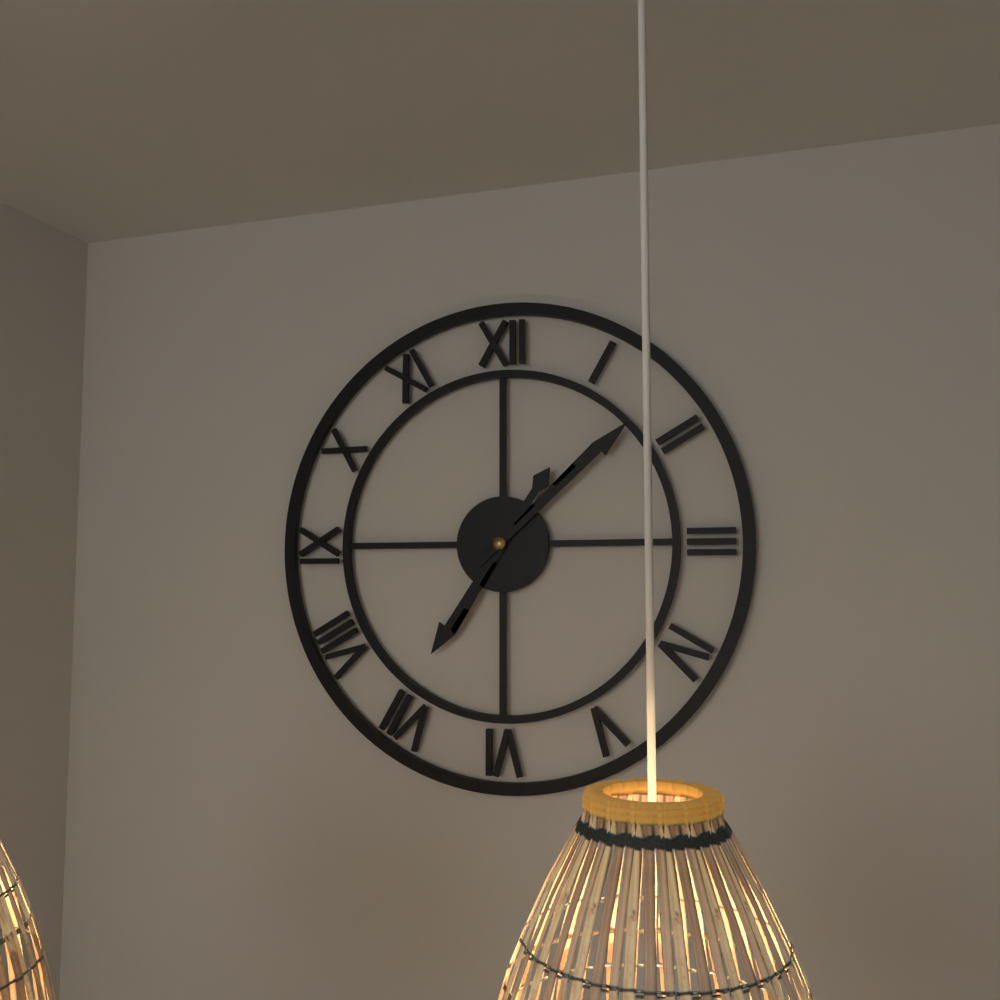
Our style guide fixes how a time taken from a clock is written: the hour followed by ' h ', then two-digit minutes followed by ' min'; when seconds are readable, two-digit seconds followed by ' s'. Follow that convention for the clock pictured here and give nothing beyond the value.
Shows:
7 h 08 min
